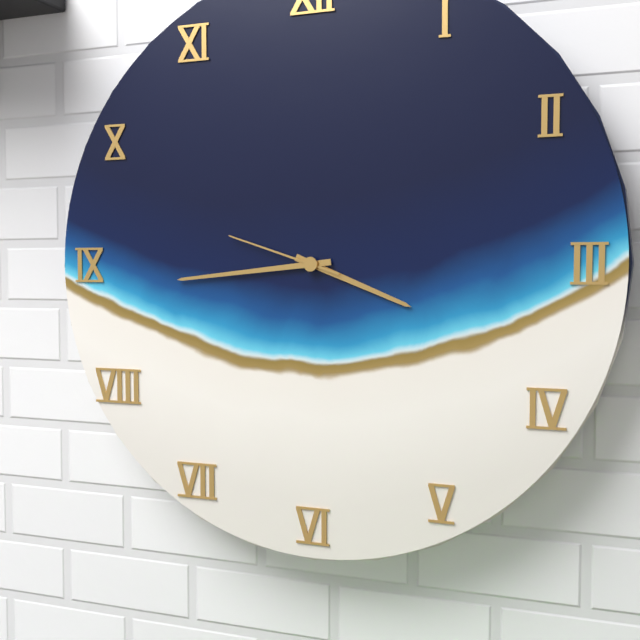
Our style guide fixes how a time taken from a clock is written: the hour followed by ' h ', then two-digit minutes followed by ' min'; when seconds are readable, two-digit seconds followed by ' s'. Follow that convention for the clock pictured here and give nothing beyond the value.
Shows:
3 h 44 min 48 s
